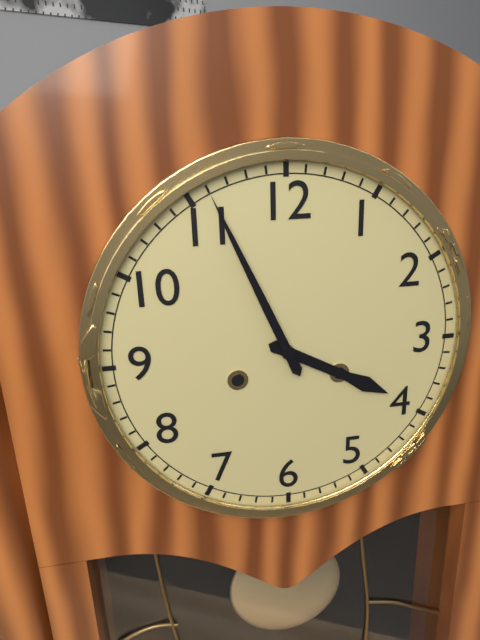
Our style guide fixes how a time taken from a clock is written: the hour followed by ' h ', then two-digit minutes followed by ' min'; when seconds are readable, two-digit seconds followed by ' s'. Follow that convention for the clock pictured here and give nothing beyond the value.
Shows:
3 h 56 min
